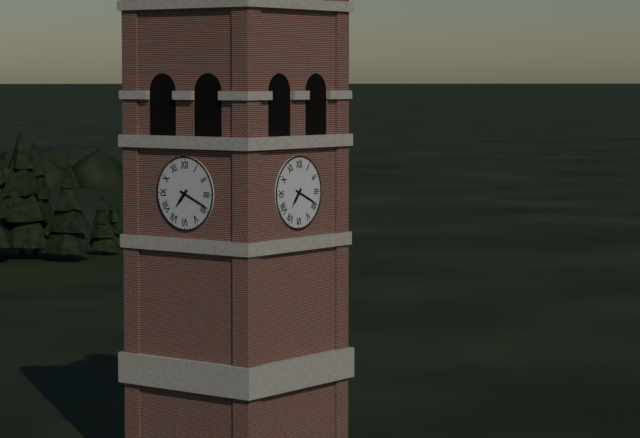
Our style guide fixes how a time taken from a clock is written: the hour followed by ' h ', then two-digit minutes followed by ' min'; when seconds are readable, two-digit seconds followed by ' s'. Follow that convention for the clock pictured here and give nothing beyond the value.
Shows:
7 h 19 min
